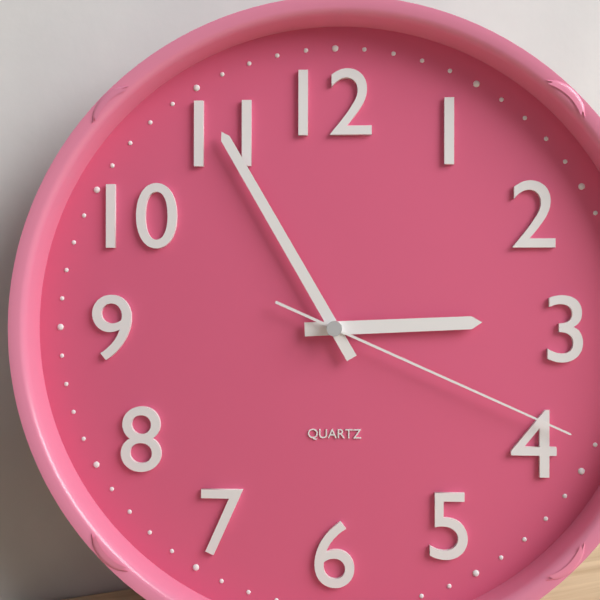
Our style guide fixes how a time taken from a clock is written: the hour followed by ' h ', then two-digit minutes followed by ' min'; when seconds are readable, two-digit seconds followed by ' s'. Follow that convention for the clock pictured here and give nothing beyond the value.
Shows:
2 h 55 min 19 s
